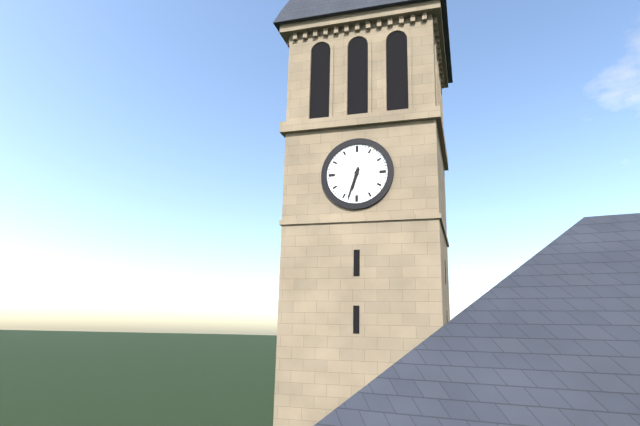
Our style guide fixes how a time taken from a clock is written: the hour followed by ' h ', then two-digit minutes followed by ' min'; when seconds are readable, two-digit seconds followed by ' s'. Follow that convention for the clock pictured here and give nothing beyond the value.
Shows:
6 h 33 min
